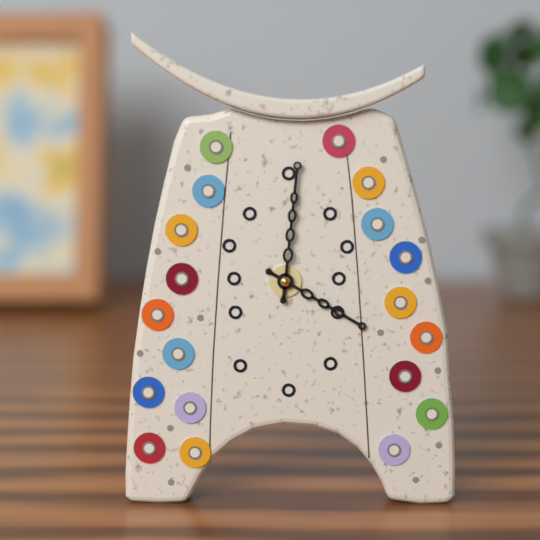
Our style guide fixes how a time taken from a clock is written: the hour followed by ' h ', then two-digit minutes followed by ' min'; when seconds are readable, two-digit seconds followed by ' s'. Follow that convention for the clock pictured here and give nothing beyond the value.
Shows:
4 h 01 min
